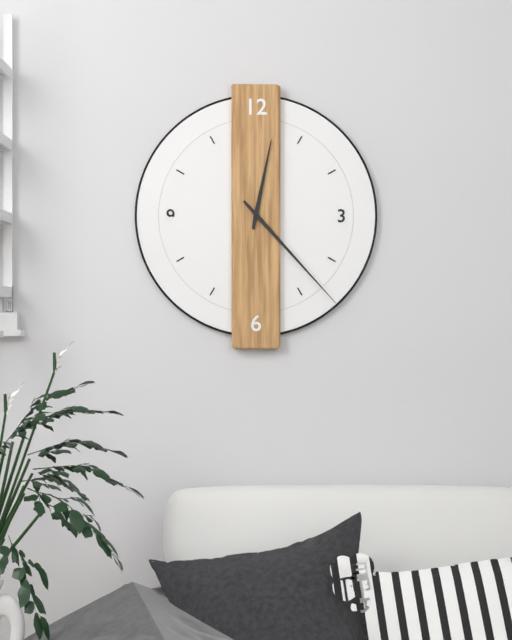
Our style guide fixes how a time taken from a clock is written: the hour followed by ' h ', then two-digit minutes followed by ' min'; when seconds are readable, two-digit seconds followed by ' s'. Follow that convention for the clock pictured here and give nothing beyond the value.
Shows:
12 h 23 min
